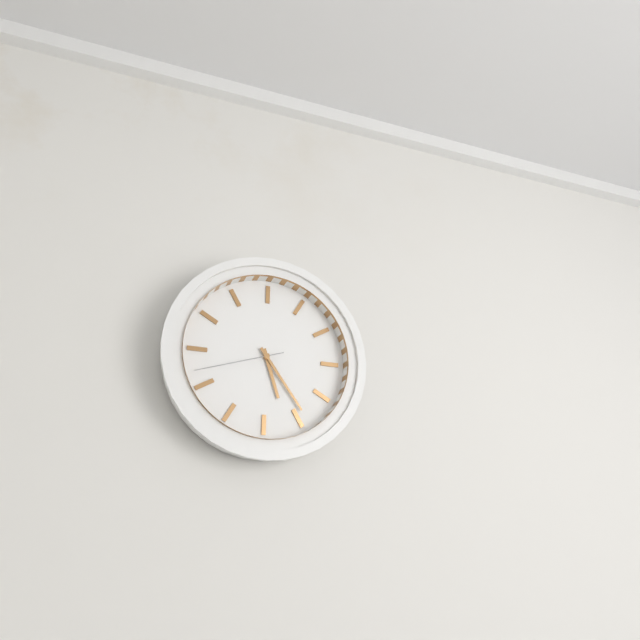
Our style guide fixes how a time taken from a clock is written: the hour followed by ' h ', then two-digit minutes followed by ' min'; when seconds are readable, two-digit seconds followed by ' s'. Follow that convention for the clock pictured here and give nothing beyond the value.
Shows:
5 h 24 min 42 s
